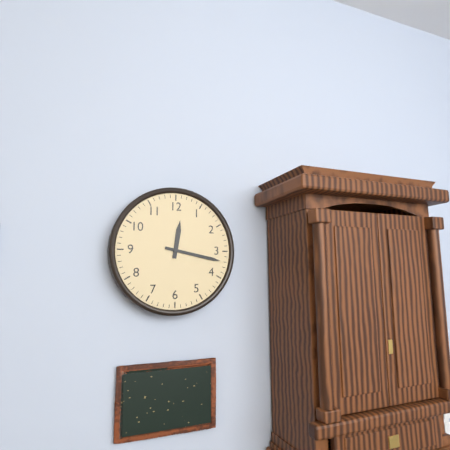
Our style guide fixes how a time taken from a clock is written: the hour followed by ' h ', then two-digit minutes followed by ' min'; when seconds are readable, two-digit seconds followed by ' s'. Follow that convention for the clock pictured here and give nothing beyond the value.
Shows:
12 h 17 min
